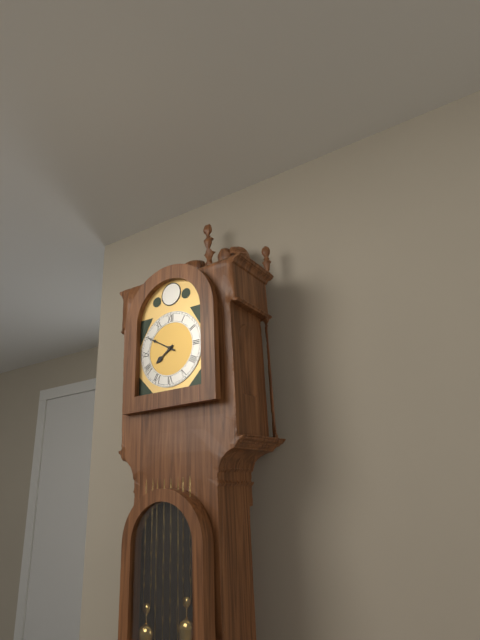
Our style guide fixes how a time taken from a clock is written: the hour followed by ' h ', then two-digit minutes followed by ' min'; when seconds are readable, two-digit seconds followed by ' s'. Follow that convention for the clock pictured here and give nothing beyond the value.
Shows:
7 h 50 min
